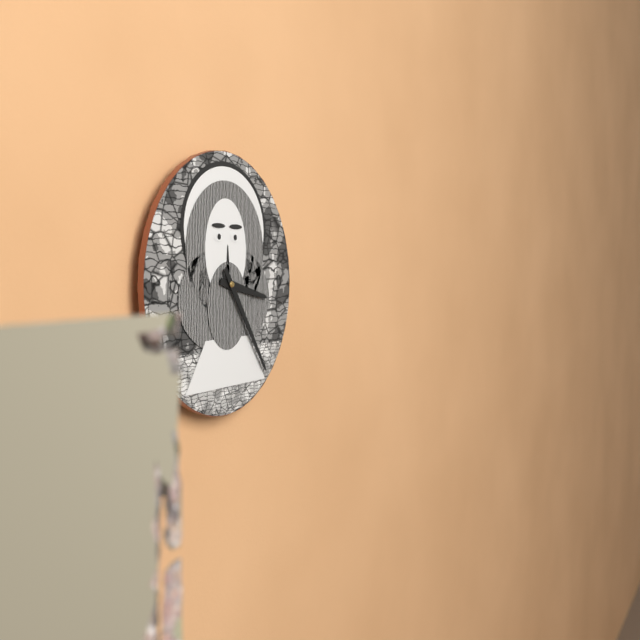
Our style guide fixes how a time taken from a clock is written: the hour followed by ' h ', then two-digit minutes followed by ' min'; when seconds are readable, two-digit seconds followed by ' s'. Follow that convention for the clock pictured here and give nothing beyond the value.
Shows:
3 h 24 min
